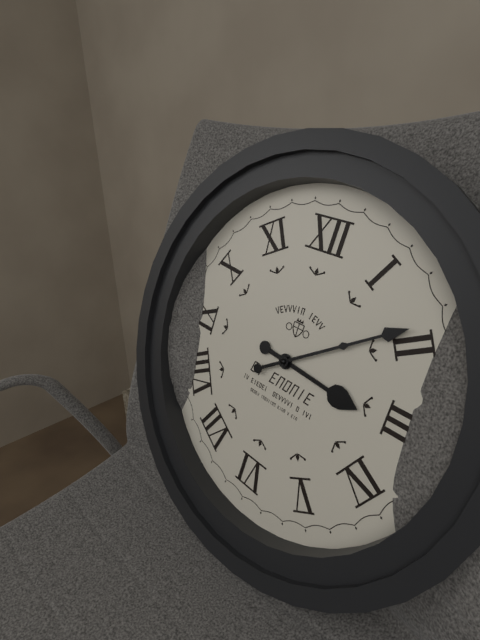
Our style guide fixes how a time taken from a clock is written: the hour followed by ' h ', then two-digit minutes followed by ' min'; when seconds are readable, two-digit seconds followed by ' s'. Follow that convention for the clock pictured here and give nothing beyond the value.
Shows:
3 h 09 min
